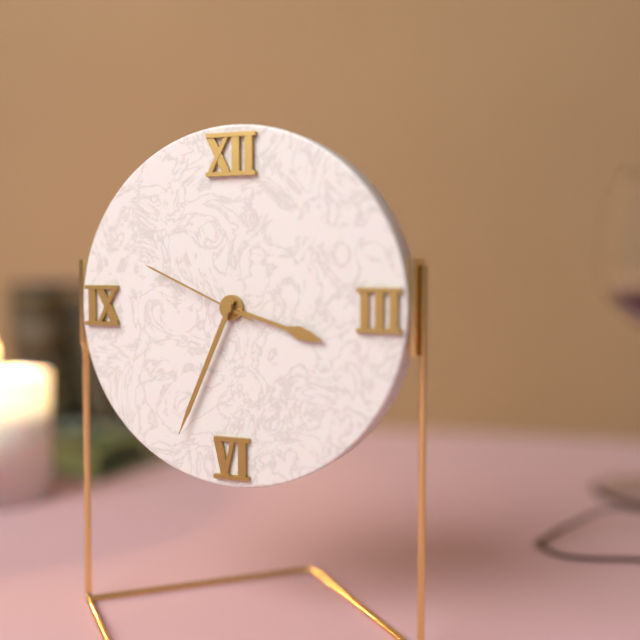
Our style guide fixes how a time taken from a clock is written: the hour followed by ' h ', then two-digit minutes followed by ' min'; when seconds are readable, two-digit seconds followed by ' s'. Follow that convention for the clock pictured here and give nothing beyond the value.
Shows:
3 h 34 min 49 s
